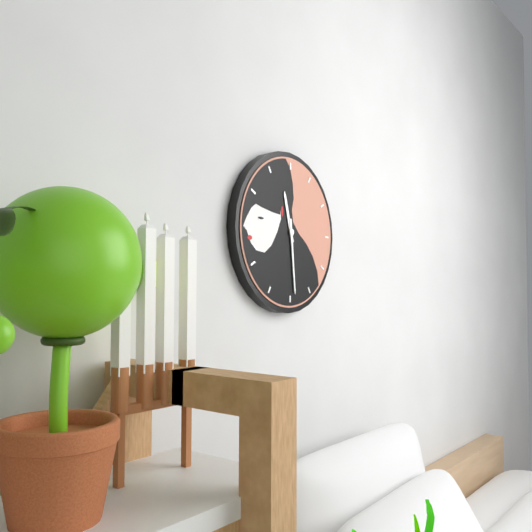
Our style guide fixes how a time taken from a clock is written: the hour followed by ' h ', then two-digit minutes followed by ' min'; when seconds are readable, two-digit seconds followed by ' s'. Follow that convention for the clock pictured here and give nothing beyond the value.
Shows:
11 h 29 min
